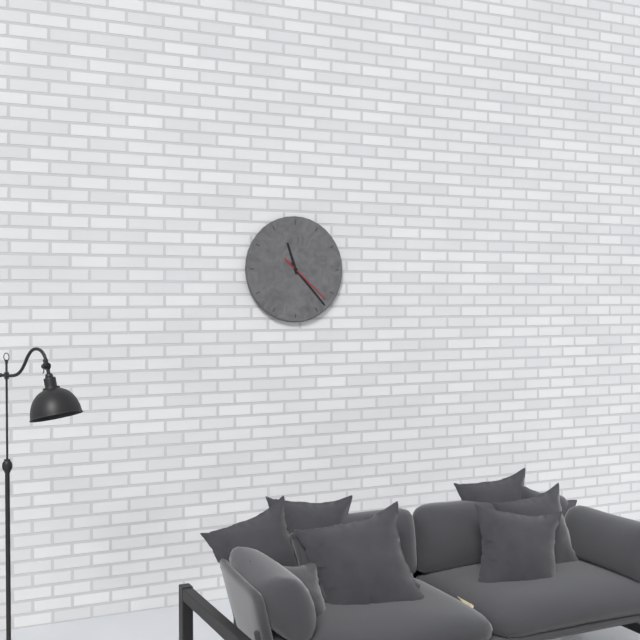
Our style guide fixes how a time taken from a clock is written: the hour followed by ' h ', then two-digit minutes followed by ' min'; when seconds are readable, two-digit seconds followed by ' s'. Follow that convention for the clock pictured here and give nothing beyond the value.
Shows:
11 h 23 min 22 s
